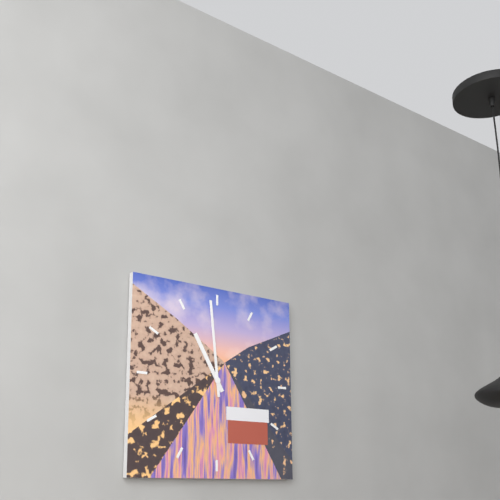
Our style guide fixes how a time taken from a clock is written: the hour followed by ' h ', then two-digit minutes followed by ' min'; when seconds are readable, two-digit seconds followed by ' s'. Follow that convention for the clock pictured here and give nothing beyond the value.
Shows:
10 h 59 min
